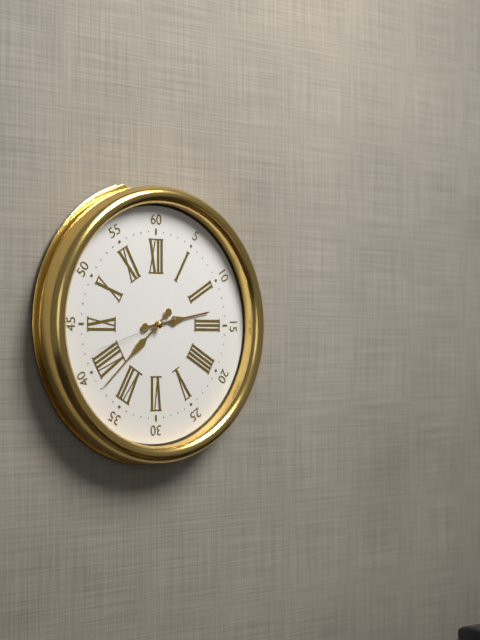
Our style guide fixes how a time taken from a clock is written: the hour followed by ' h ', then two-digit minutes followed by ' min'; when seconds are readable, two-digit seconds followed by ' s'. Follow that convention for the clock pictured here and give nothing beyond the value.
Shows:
2 h 38 min 42 s
